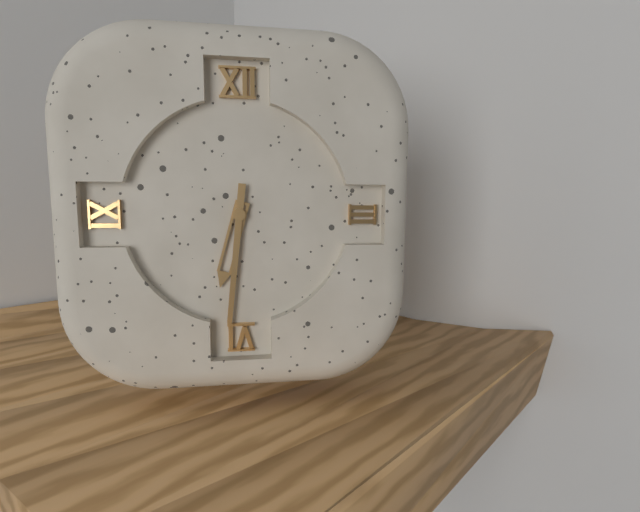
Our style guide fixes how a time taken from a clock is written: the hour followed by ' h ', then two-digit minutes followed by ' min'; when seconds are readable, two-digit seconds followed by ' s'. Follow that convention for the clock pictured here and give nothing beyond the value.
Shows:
6 h 31 min
